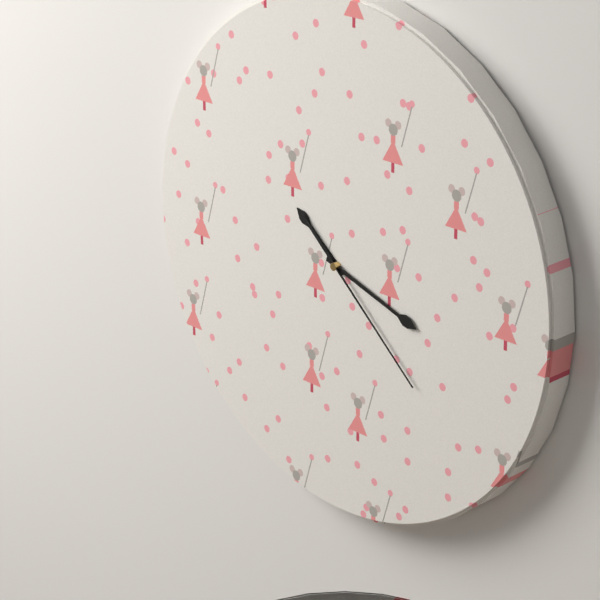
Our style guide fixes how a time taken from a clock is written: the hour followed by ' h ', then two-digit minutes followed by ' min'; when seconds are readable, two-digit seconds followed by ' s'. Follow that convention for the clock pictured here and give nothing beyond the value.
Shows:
10 h 18 min 22 s
